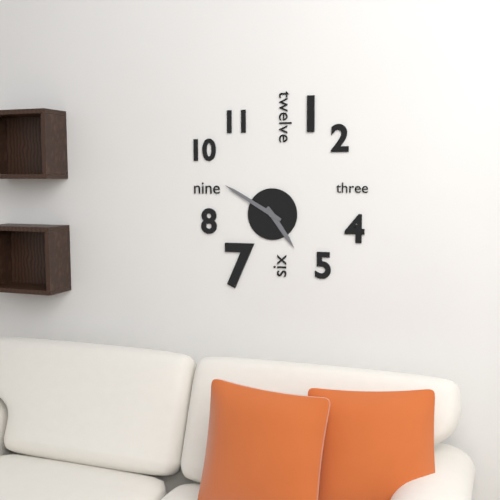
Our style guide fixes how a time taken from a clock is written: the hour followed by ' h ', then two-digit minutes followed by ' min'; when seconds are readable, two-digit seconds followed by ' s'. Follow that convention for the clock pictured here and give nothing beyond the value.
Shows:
4 h 50 min
